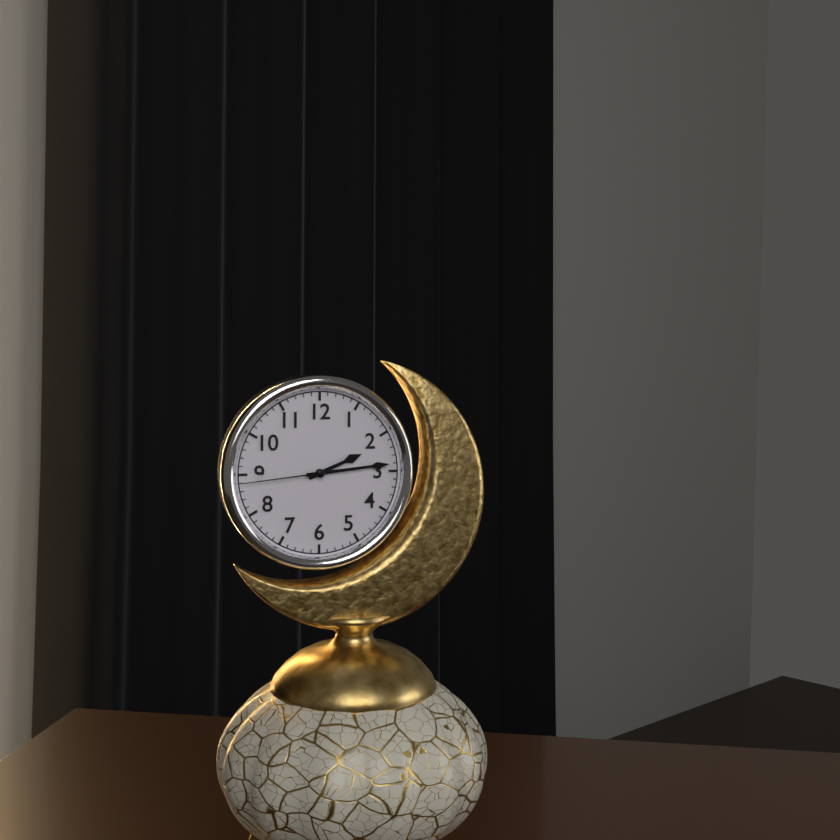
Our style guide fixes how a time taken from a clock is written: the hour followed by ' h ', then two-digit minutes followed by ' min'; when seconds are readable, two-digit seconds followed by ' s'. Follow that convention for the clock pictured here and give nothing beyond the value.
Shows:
2 h 14 min 44 s
